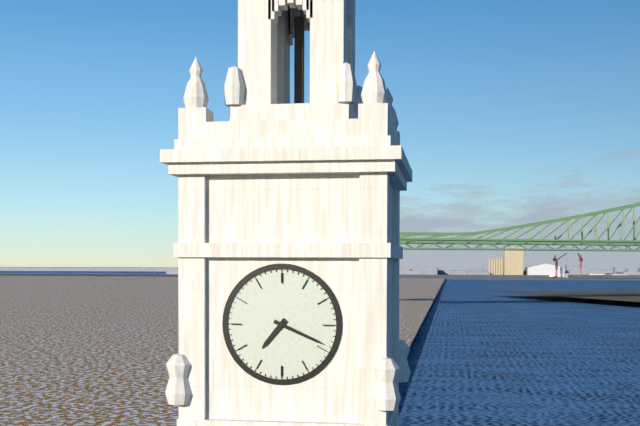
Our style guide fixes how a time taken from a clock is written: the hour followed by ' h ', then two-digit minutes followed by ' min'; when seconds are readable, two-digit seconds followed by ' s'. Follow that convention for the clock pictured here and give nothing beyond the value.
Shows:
7 h 19 min
